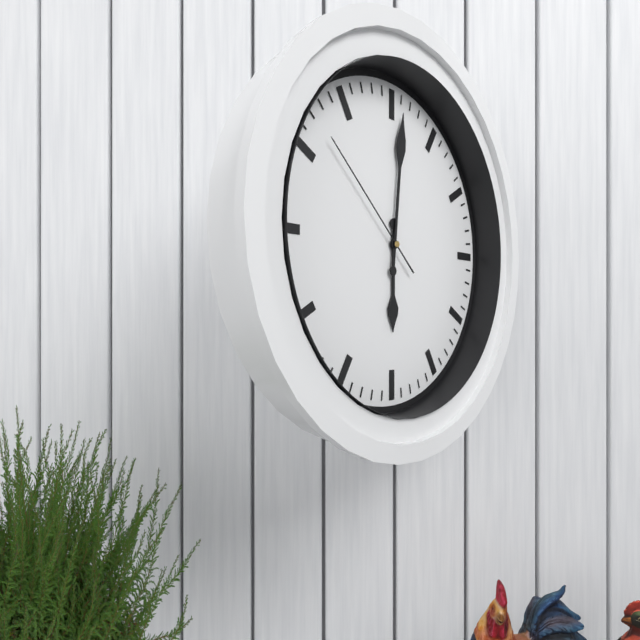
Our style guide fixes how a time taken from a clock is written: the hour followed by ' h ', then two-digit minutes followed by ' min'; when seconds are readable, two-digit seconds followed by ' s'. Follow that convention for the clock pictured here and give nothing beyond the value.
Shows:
6 h 01 min 52 s
